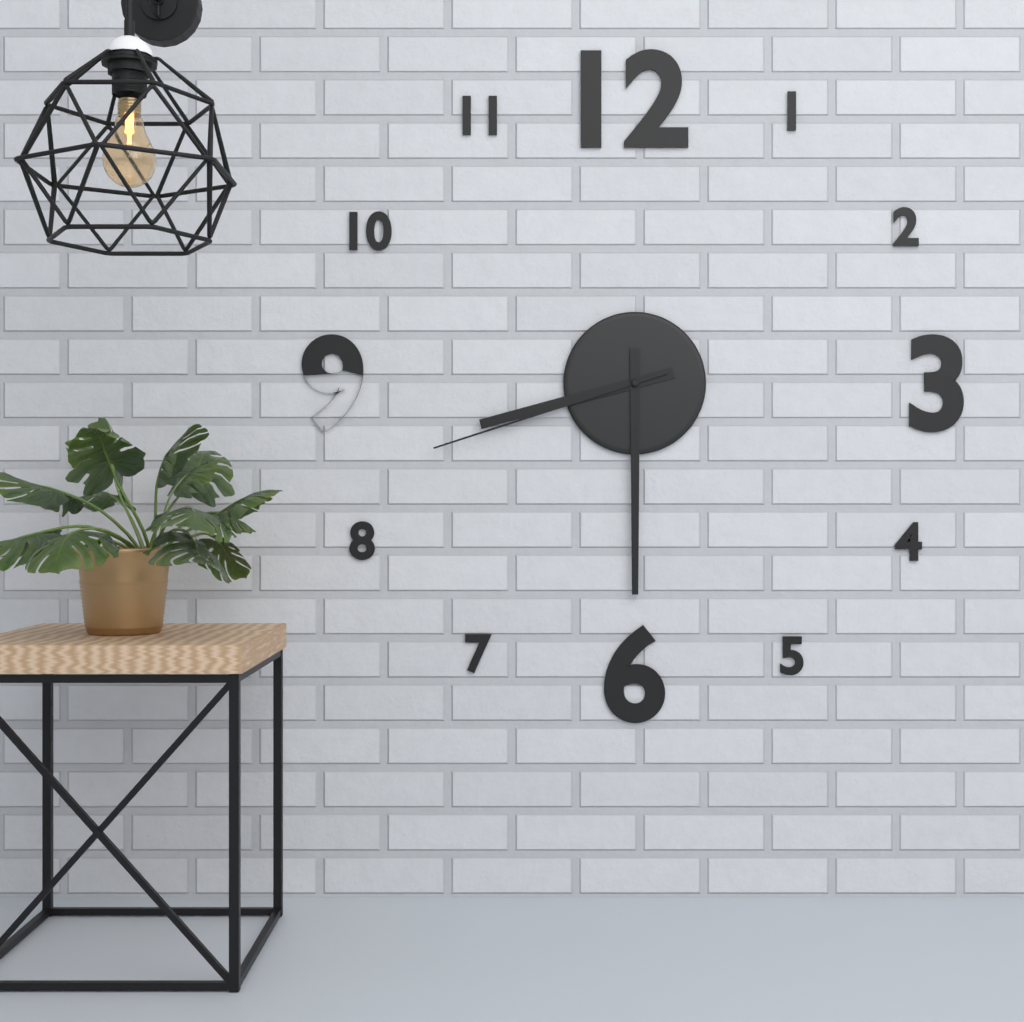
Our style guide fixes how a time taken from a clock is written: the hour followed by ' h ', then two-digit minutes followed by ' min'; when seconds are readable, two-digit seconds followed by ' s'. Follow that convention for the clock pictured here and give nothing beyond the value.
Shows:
8 h 30 min 42 s
